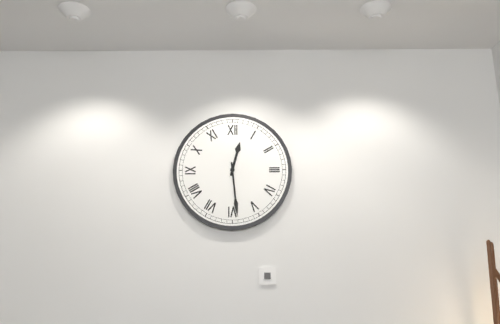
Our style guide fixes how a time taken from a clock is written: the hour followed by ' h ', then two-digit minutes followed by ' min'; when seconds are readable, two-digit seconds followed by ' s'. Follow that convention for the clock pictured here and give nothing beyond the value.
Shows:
12 h 29 min
